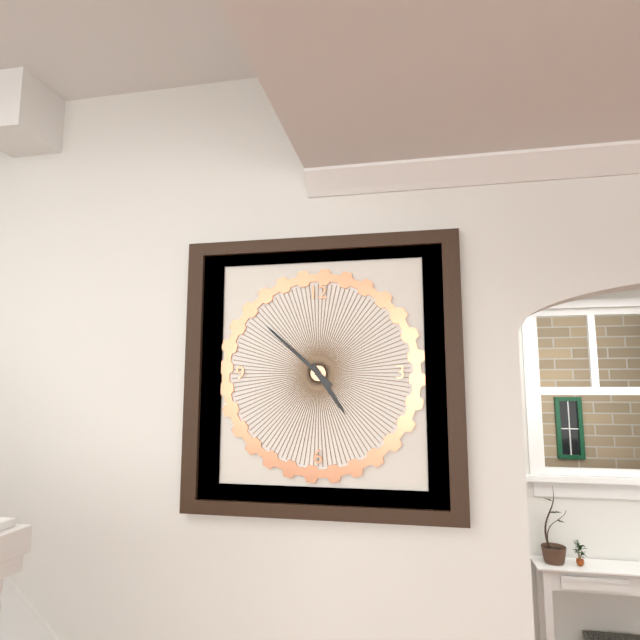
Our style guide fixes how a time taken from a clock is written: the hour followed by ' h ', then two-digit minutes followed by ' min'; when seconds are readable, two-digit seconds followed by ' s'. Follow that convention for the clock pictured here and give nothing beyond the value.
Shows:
4 h 52 min
